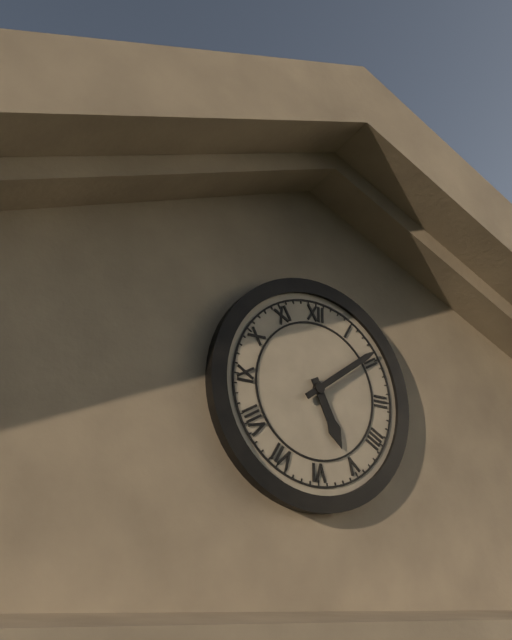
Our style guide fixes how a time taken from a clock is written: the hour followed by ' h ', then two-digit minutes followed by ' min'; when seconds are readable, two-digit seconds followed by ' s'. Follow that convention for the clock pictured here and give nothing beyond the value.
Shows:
5 h 09 min
